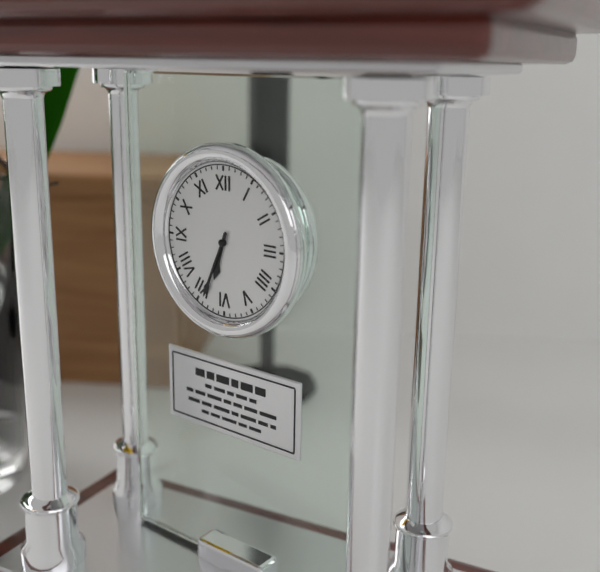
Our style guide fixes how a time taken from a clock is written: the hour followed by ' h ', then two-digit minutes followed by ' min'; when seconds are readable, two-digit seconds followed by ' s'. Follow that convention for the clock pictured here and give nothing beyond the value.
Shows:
6 h 34 min
